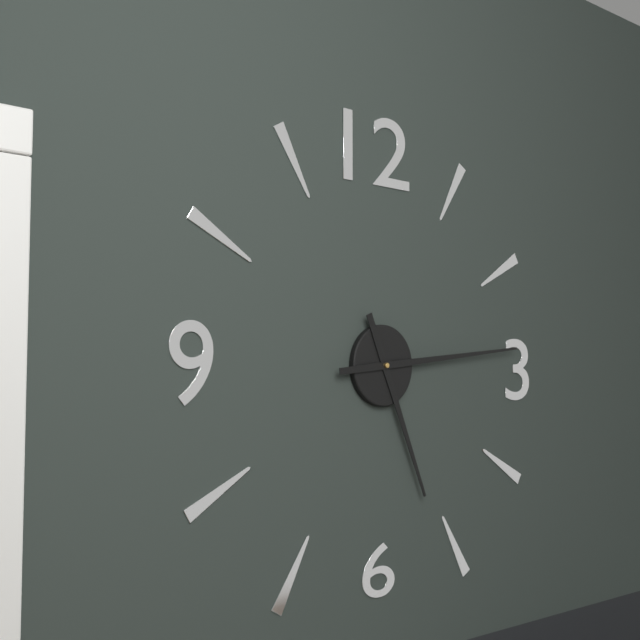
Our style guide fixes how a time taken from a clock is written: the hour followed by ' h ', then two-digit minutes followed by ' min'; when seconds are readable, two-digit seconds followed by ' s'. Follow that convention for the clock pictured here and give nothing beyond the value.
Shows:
5 h 14 min
